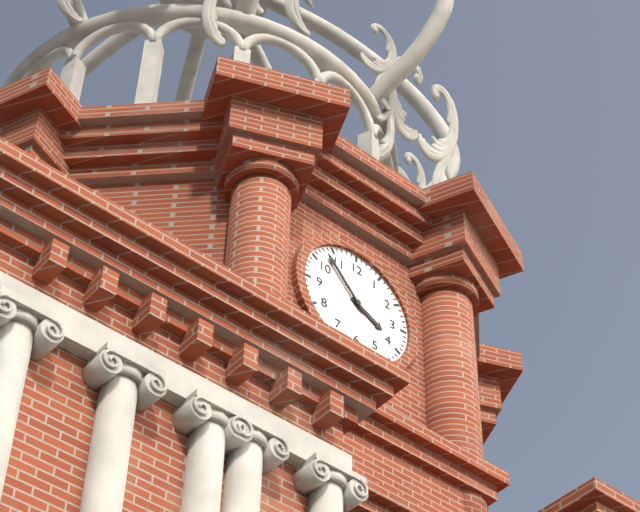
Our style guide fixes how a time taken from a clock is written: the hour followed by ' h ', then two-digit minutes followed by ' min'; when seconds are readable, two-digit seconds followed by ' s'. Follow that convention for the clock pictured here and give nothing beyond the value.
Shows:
3 h 53 min
